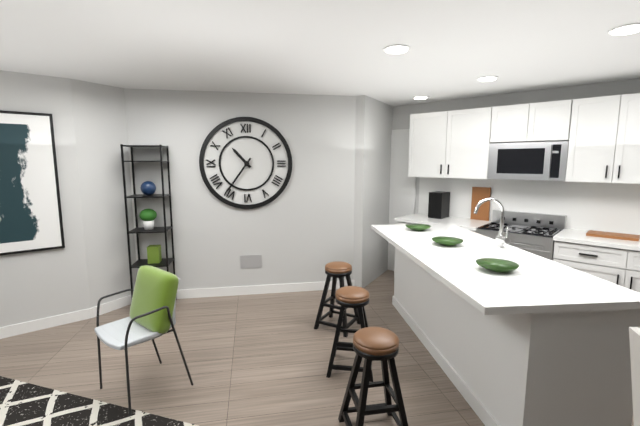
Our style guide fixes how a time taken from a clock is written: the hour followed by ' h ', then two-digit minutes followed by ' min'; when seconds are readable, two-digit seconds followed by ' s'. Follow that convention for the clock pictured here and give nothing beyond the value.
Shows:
10 h 36 min
